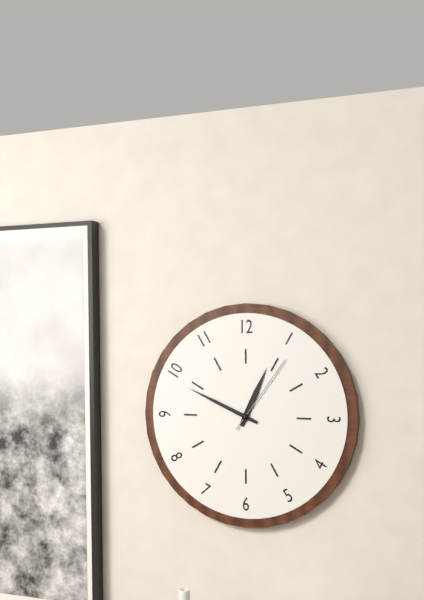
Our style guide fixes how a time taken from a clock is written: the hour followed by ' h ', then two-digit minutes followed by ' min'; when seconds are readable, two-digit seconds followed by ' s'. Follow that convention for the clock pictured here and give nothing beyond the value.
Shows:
12 h 49 min 06 s
